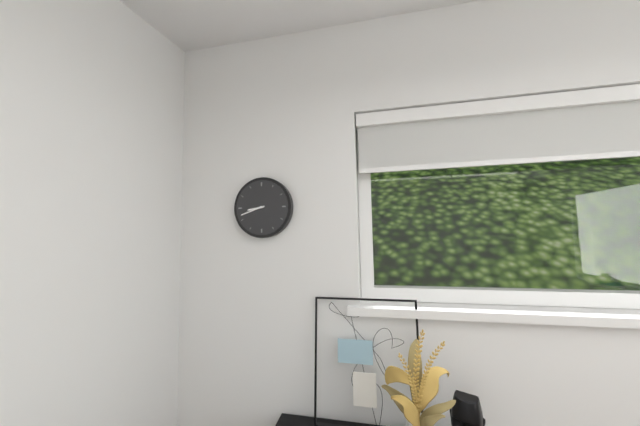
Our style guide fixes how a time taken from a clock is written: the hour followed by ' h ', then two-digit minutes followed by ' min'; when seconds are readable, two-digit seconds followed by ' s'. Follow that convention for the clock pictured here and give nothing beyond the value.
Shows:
8 h 42 min
